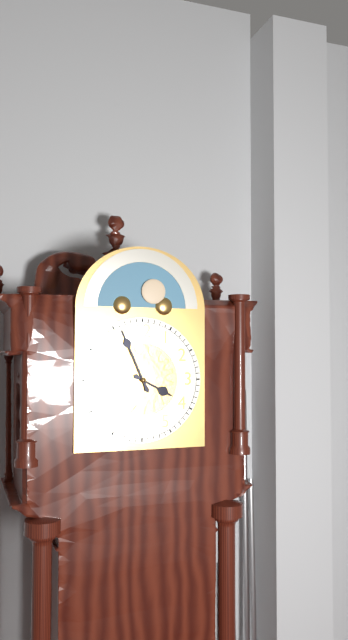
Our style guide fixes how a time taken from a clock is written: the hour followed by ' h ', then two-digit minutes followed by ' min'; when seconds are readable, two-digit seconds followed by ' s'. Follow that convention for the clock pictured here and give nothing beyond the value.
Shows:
3 h 56 min
